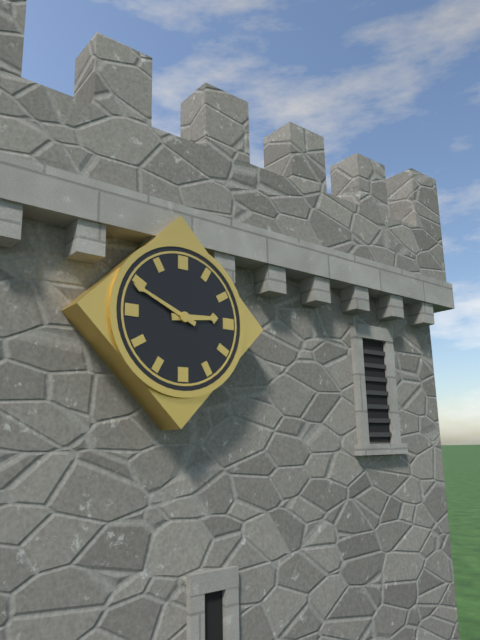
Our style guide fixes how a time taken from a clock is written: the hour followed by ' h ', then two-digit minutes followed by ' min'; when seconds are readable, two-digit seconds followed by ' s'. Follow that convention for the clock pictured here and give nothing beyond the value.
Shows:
2 h 49 min
